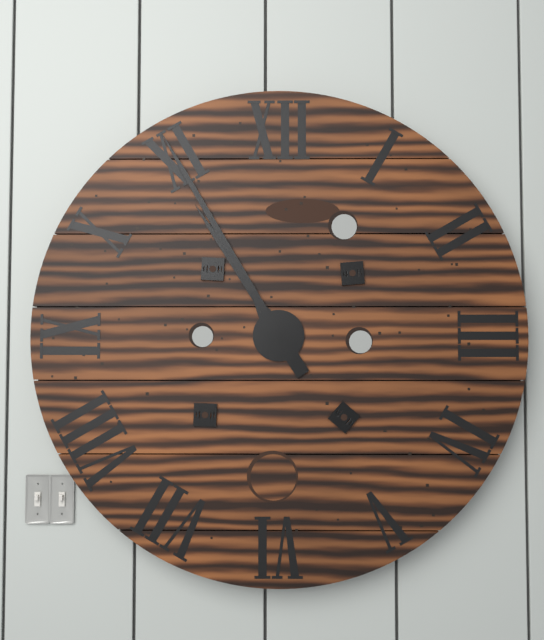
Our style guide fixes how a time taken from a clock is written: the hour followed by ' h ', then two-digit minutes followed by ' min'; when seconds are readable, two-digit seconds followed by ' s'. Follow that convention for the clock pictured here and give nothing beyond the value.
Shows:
10 h 55 min
